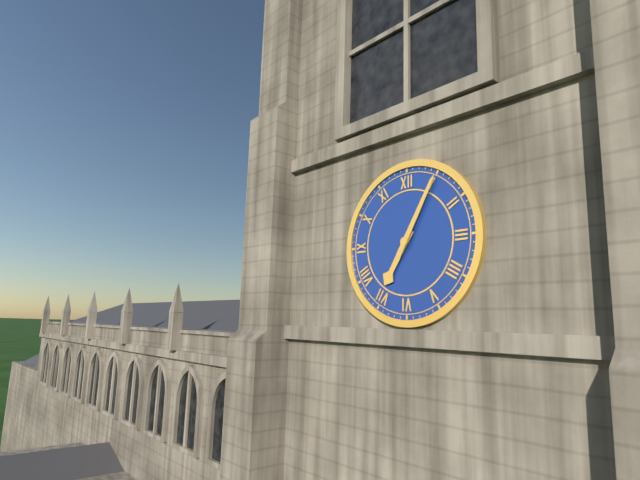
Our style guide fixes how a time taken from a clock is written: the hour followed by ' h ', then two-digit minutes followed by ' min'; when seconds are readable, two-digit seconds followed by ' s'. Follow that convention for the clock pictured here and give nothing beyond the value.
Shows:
7 h 05 min
